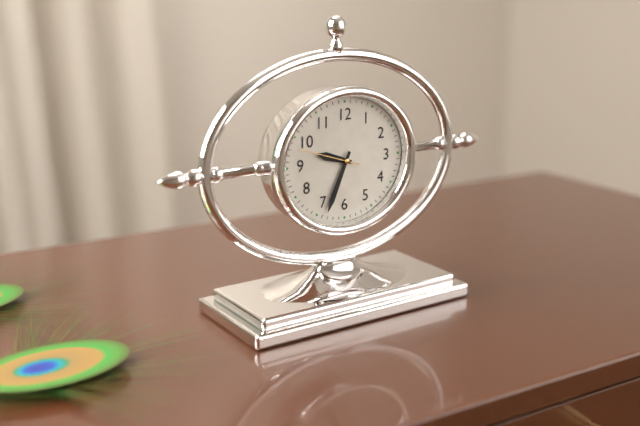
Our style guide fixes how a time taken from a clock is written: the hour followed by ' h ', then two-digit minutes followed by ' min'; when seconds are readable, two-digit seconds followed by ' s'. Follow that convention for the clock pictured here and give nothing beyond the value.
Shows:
9 h 34 min 48 s
